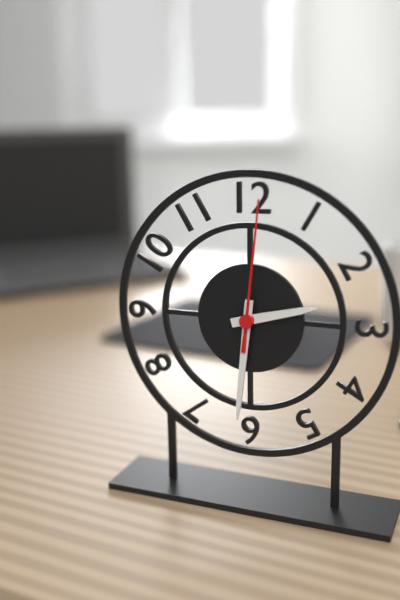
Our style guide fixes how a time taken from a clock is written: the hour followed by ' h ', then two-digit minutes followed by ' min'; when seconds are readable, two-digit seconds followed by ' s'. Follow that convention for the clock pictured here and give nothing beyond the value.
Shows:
2 h 31 min 01 s
